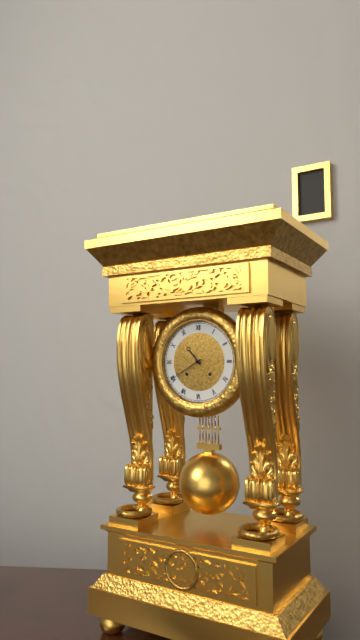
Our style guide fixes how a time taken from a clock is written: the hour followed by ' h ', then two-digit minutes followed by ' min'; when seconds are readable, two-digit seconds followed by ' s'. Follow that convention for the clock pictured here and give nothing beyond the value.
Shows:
10 h 40 min
